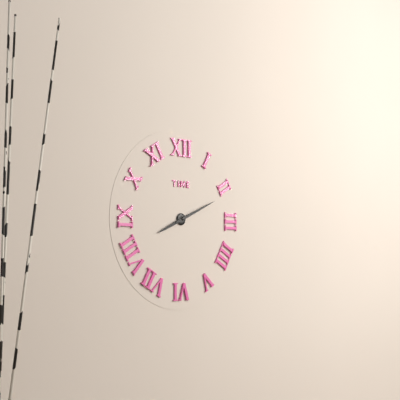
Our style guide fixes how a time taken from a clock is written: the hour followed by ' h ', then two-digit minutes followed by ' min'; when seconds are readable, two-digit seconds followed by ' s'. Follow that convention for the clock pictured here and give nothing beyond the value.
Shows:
8 h 11 min
